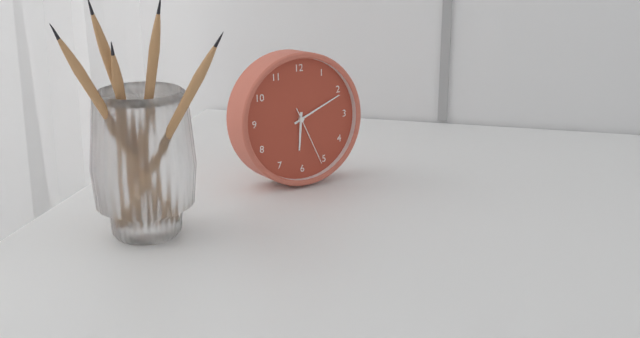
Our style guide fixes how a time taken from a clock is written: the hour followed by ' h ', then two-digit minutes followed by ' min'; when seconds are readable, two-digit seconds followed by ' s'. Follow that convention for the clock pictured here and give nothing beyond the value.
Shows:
6 h 11 min 26 s
